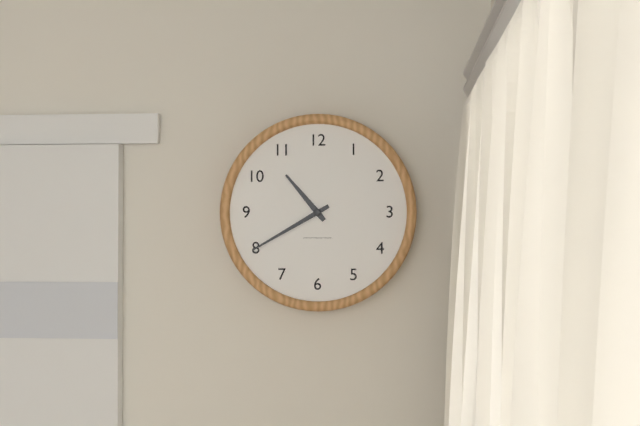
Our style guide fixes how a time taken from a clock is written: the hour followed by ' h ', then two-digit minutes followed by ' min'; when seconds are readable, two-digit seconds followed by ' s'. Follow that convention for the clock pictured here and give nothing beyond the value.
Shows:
10 h 40 min
